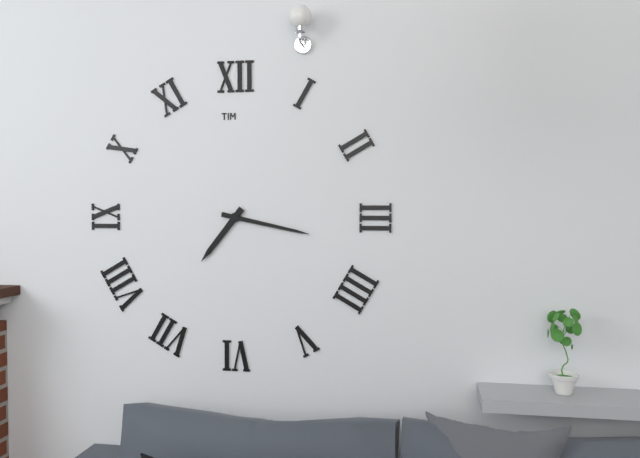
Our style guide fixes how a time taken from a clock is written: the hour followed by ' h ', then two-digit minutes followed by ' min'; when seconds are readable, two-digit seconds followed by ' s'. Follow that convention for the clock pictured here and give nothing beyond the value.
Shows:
7 h 17 min
